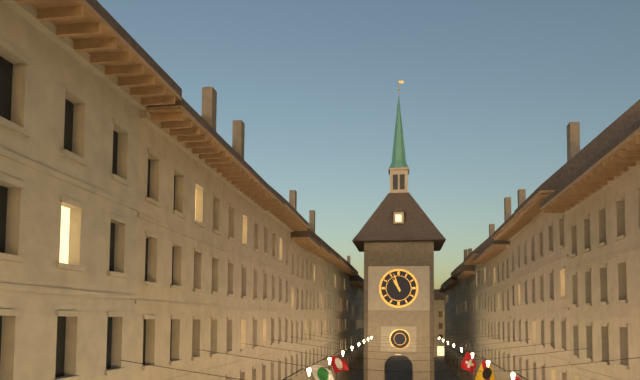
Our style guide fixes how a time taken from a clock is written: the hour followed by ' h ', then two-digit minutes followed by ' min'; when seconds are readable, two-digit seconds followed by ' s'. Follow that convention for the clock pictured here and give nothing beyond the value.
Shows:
10 h 57 min
